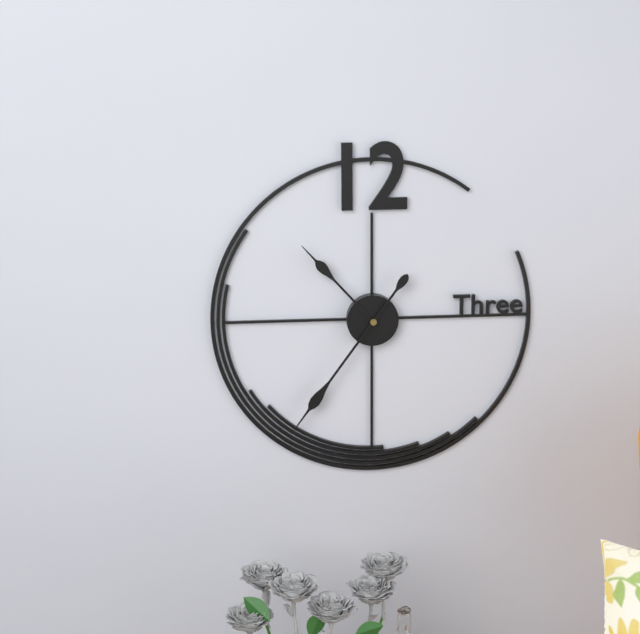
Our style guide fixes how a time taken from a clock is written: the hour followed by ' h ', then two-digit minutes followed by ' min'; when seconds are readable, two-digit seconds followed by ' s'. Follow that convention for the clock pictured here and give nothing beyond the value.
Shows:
10 h 36 min
